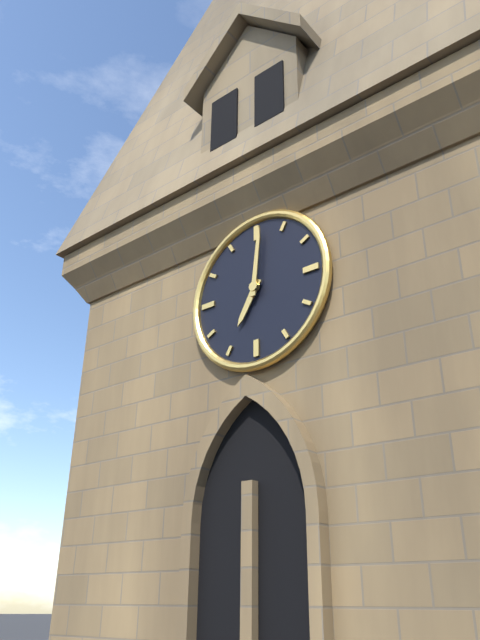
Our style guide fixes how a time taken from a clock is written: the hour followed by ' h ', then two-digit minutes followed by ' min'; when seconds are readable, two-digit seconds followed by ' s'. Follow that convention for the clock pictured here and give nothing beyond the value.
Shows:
7 h 01 min
